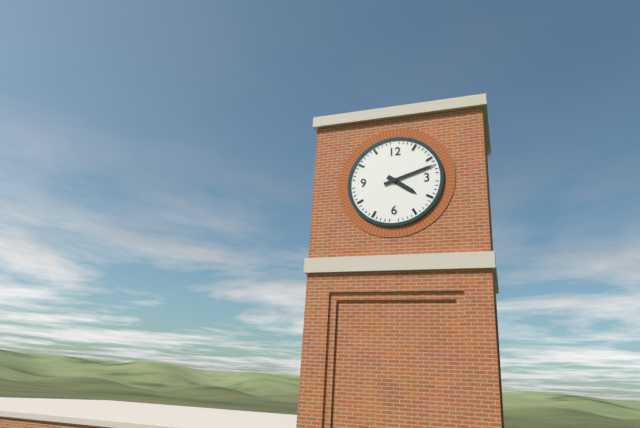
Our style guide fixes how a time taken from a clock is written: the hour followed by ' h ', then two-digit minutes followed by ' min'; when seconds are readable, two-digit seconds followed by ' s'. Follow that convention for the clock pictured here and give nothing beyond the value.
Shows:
4 h 12 min
